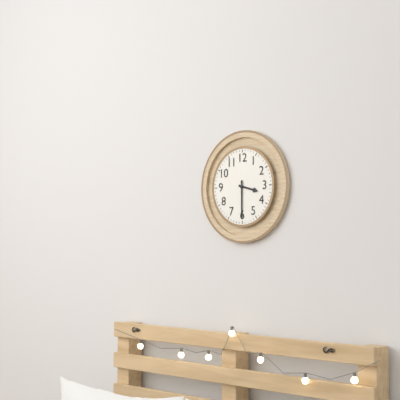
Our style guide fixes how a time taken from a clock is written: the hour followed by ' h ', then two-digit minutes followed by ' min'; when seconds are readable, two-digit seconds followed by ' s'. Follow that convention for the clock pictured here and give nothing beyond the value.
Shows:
3 h 30 min
